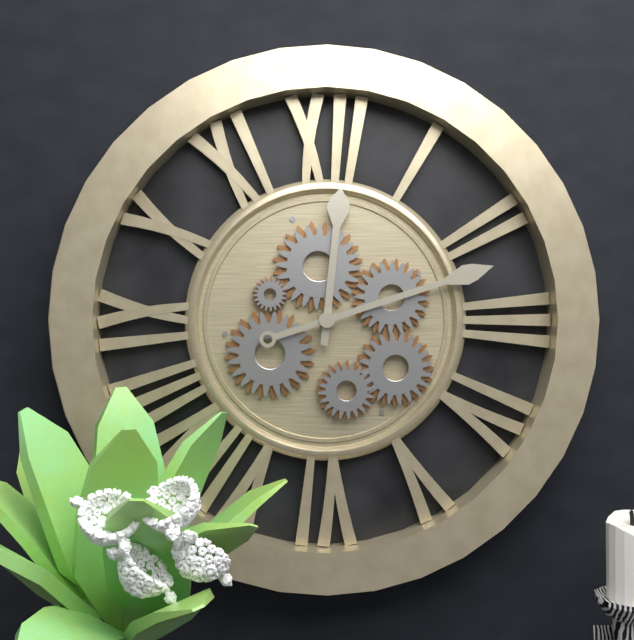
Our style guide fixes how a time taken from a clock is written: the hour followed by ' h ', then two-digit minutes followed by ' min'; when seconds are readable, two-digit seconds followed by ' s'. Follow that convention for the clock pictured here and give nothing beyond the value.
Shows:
12 h 12 min
